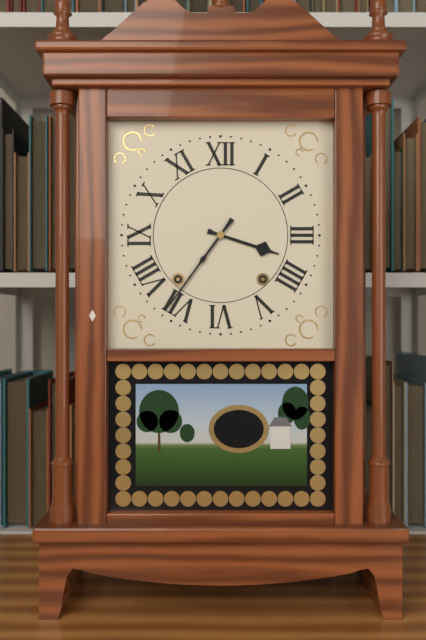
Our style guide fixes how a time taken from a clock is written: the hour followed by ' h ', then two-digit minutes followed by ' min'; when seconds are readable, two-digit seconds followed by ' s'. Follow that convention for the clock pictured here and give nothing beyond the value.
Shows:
3 h 36 min
